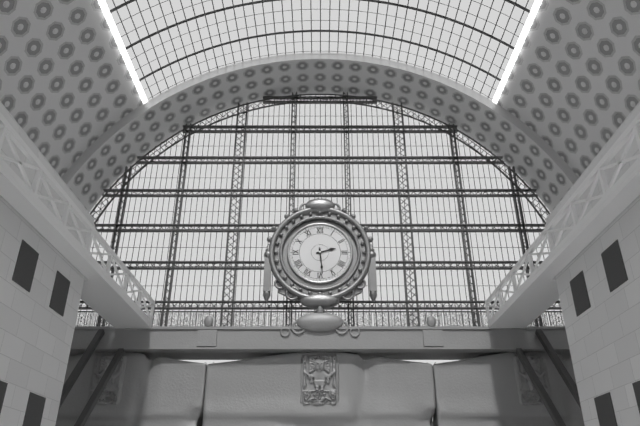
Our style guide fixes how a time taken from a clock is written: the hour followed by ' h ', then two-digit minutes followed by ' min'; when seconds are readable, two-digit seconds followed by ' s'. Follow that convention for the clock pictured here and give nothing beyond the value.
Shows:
2 h 29 min
